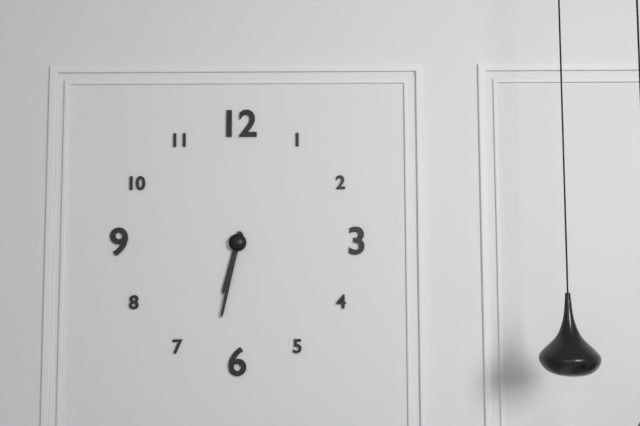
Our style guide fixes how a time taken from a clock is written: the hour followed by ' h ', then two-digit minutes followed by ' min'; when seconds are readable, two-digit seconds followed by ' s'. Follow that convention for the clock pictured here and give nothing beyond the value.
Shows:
6 h 32 min
